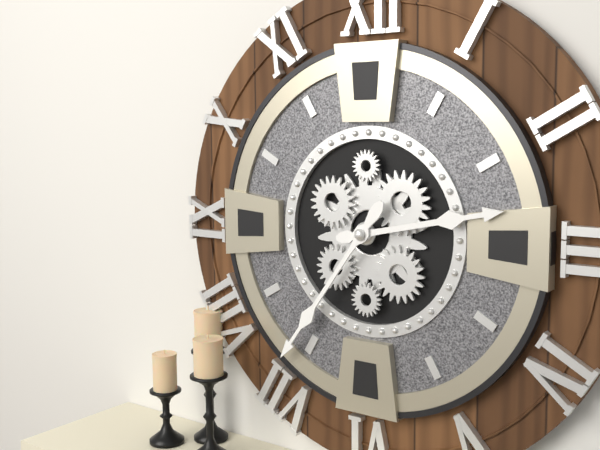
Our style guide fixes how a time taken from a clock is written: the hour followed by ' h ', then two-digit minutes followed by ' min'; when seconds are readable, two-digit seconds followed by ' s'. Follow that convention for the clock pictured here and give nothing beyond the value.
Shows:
2 h 36 min
